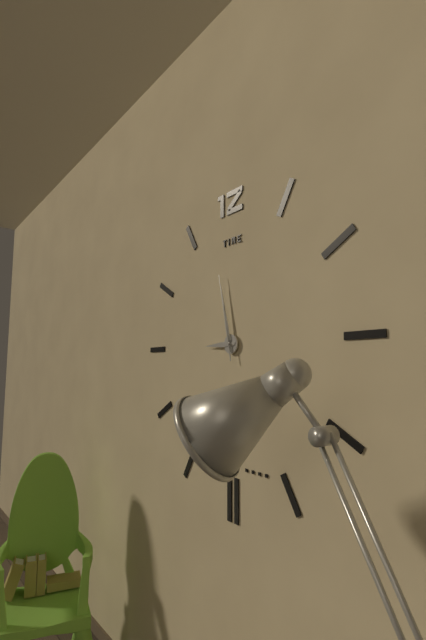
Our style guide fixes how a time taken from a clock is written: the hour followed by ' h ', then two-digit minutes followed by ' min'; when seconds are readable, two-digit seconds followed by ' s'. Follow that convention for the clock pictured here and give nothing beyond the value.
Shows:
8 h 58 min 58 s
